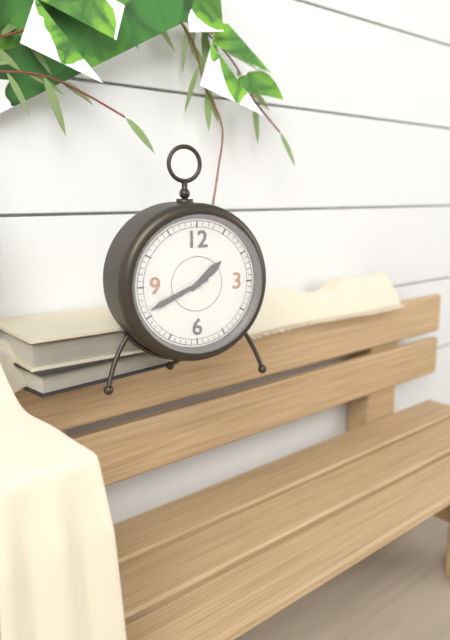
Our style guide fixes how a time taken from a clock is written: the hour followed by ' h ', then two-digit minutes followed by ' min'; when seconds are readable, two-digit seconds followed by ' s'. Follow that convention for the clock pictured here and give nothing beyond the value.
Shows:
1 h 41 min
